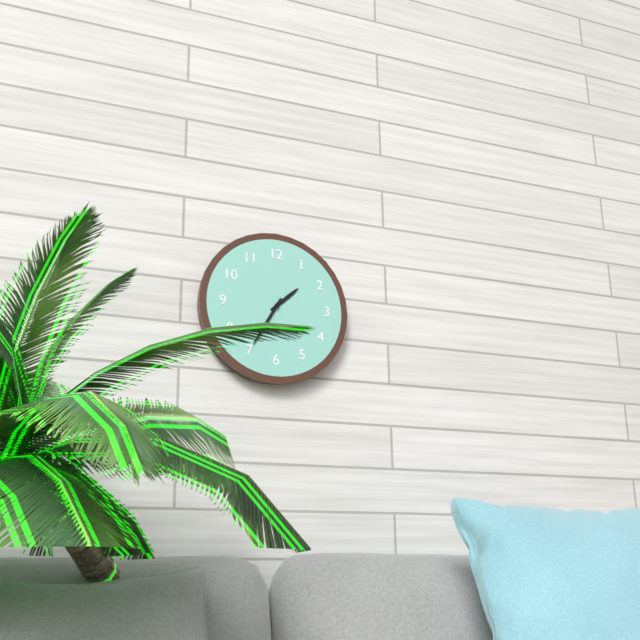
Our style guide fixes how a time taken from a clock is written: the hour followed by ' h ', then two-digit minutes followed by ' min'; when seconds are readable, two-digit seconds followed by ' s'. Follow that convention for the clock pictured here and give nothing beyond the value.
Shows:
1 h 35 min
